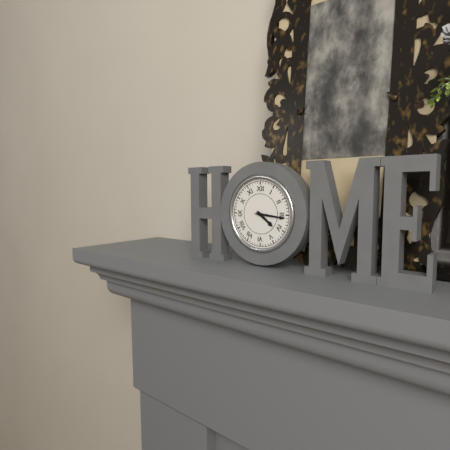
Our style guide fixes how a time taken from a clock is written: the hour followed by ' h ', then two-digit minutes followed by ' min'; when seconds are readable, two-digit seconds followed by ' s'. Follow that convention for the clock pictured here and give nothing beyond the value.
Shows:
4 h 16 min
